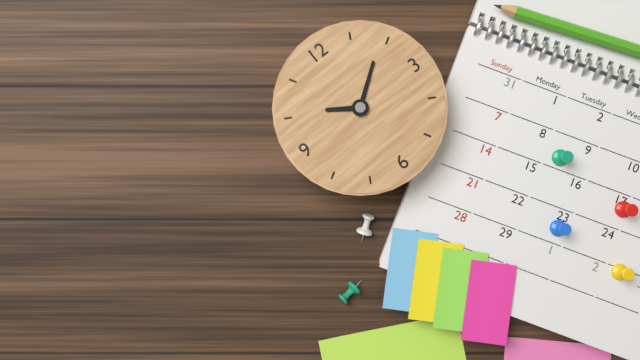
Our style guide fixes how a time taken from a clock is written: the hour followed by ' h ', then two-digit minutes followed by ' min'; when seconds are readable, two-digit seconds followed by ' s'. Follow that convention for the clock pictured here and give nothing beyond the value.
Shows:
10 h 09 min
